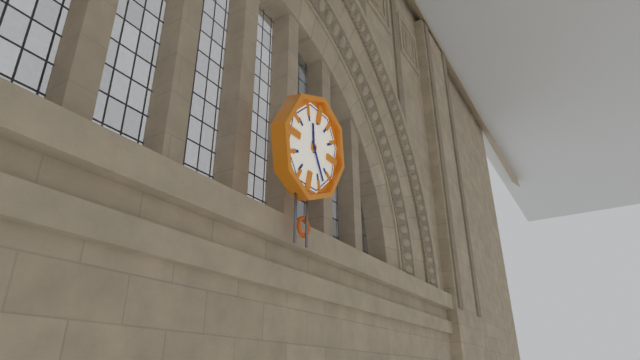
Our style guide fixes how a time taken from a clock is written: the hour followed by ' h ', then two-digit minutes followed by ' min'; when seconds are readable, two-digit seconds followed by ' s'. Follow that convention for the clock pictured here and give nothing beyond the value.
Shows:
11 h 23 min
